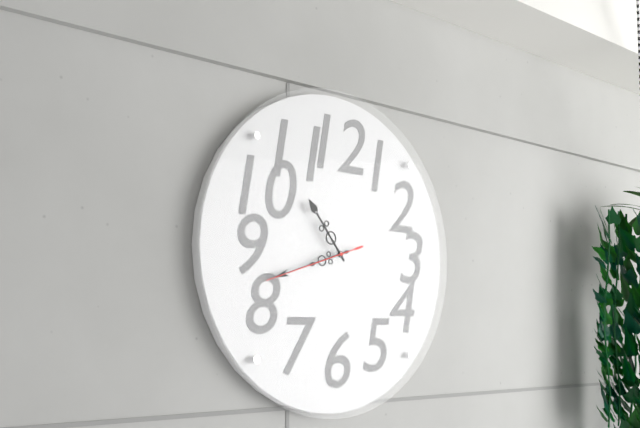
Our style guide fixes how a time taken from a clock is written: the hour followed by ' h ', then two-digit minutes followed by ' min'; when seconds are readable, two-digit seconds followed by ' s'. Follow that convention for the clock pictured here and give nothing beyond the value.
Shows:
10 h 42 min 42 s
